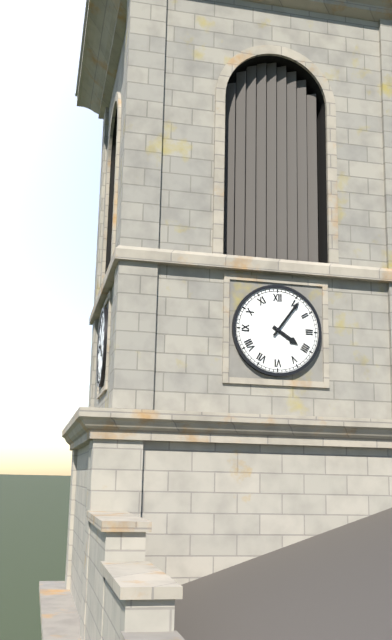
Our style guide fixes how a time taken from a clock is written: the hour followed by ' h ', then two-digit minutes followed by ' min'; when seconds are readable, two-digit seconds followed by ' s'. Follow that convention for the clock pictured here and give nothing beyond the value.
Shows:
4 h 06 min
